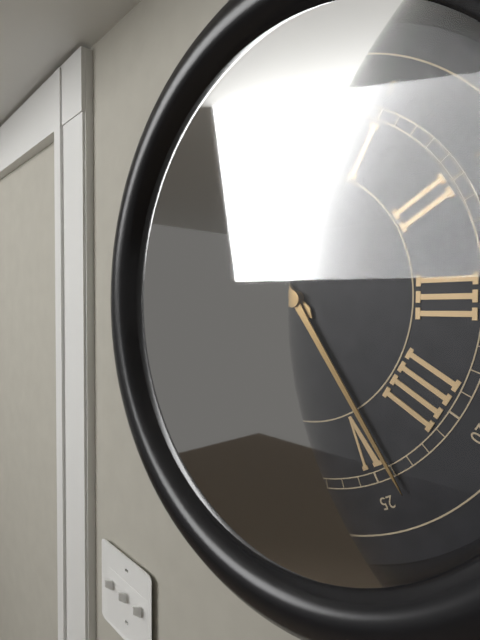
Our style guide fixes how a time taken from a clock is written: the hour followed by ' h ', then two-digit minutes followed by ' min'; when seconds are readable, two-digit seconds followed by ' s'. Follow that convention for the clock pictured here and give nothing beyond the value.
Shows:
10 h 24 min
